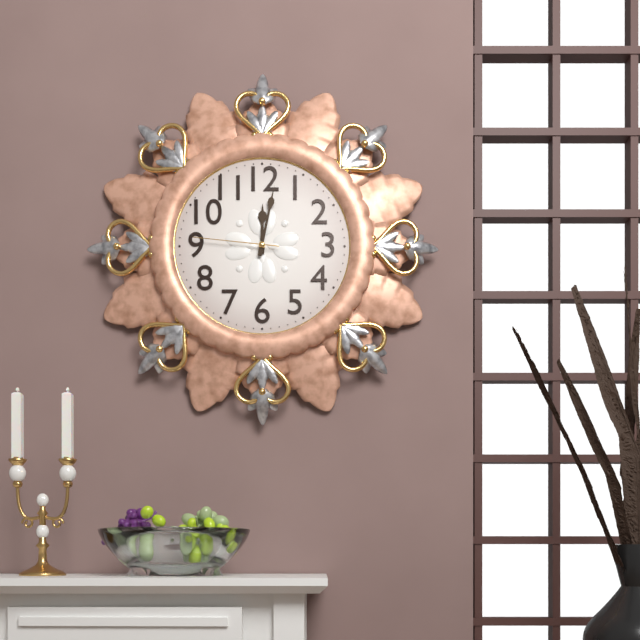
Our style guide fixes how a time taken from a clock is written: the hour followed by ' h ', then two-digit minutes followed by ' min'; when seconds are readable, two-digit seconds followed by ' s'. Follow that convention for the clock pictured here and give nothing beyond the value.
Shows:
12 h 02 min 46 s
